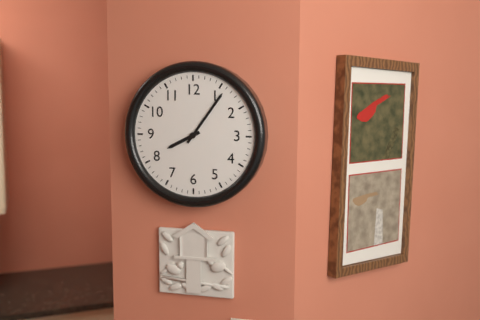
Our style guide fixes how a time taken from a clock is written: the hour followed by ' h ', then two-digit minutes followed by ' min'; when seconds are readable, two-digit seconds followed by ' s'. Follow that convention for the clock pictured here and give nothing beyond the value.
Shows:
8 h 06 min
